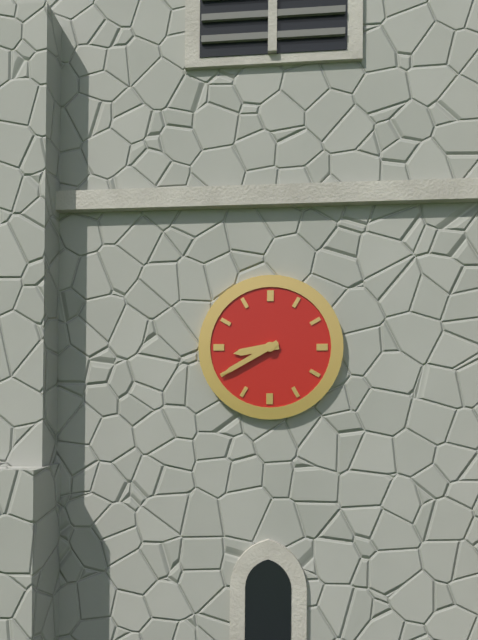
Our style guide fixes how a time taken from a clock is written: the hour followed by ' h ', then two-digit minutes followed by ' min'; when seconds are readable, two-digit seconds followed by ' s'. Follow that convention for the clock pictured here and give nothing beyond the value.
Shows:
8 h 40 min
